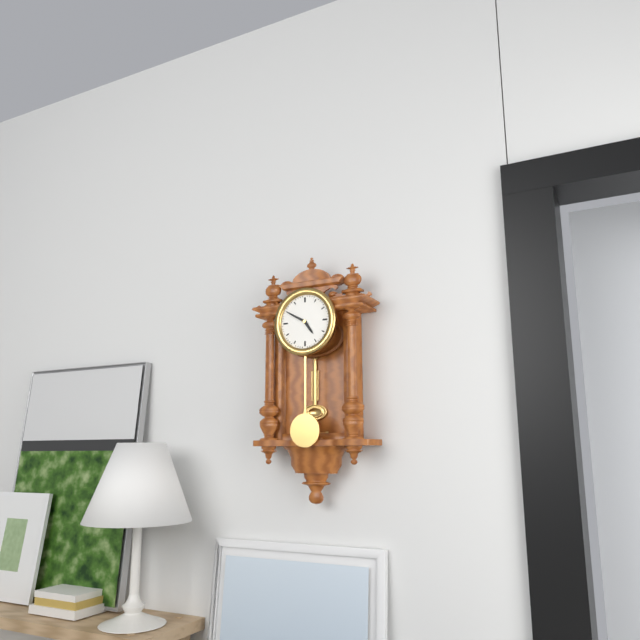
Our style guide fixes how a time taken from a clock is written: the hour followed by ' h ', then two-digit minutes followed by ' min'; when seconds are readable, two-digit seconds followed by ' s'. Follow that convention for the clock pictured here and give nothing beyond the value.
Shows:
4 h 50 min
